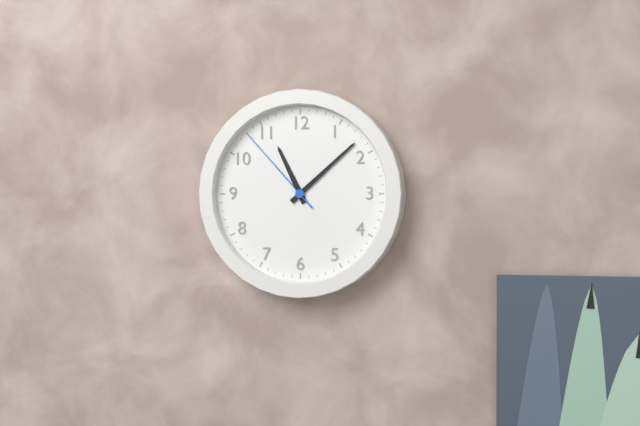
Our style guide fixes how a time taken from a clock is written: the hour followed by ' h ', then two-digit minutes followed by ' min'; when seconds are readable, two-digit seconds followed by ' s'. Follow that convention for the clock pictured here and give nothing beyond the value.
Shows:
11 h 08 min 53 s
